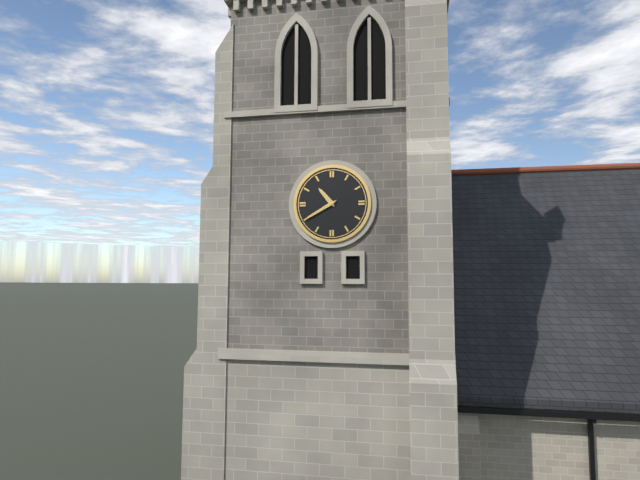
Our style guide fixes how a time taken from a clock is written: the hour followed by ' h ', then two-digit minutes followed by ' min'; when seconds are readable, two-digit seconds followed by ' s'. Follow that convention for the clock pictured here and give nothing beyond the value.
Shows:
10 h 40 min
